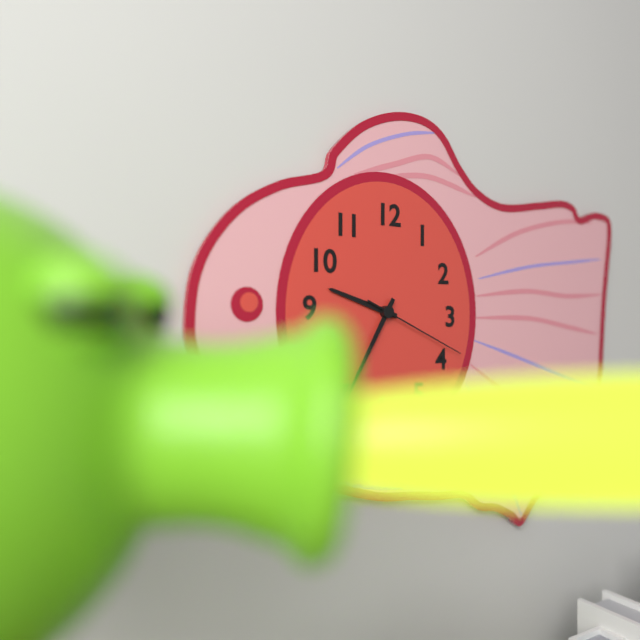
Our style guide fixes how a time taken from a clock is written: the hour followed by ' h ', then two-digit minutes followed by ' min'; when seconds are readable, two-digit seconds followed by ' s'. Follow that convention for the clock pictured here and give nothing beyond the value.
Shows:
9 h 35 min 19 s
